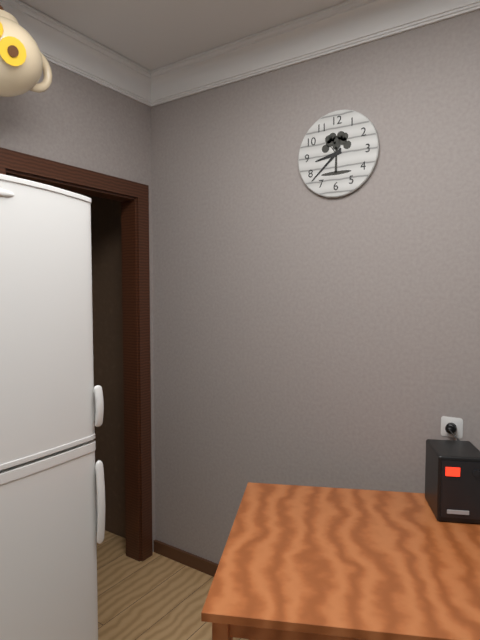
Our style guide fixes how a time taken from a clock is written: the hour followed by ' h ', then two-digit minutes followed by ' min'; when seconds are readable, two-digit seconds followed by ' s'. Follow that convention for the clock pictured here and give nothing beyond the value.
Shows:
8 h 38 min
